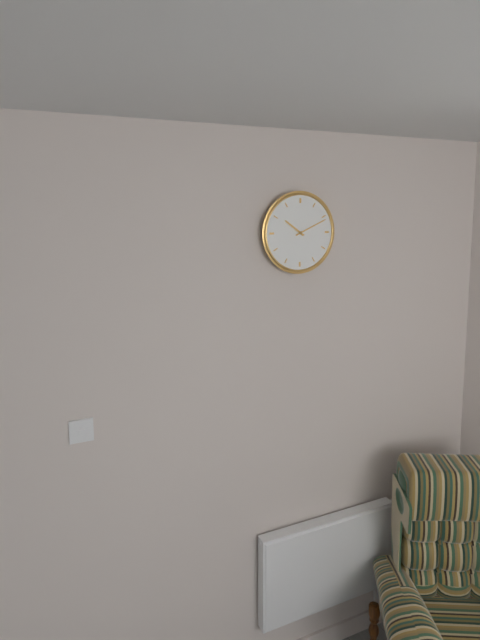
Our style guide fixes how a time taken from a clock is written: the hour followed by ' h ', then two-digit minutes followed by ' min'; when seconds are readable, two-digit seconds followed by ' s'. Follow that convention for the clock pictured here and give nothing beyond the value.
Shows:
10 h 11 min
